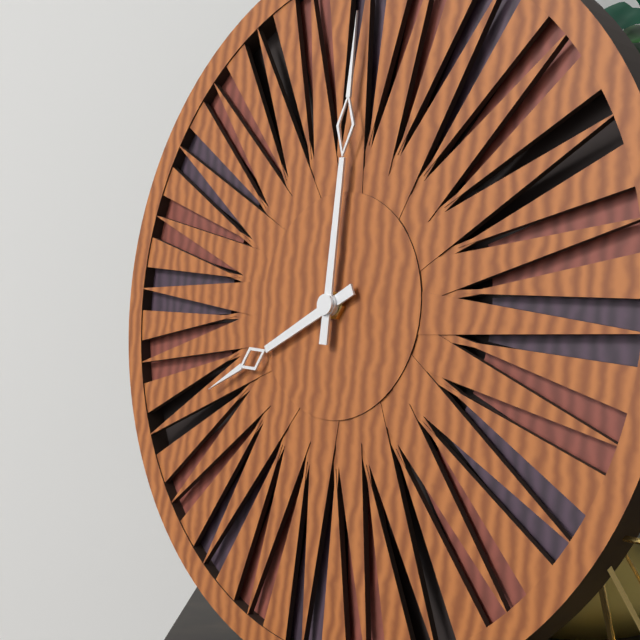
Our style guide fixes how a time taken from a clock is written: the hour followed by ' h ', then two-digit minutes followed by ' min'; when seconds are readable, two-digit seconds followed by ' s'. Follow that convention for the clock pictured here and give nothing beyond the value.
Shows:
8 h 00 min
